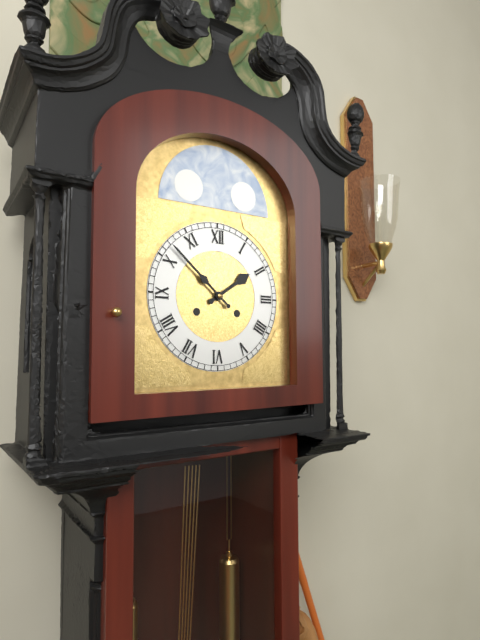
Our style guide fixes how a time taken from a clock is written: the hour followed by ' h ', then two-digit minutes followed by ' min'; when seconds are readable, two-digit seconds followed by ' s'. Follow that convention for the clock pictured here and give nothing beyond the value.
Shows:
1 h 52 min
